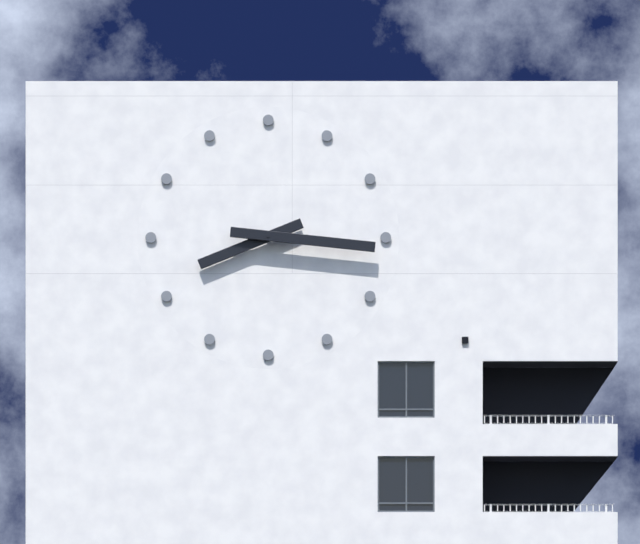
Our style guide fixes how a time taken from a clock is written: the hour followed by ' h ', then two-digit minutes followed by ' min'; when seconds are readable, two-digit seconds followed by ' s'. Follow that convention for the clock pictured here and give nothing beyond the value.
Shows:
8 h 16 min
